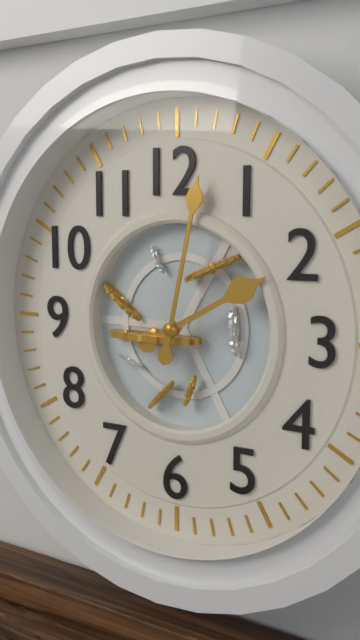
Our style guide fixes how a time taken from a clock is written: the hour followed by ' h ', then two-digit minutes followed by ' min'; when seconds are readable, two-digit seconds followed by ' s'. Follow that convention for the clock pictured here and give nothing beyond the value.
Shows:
2 h 02 min
